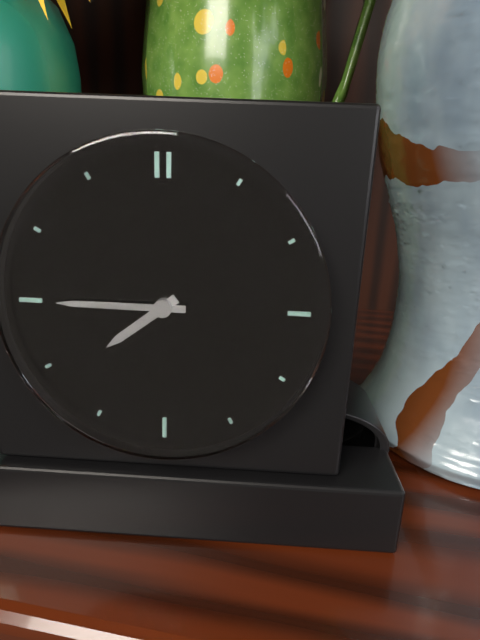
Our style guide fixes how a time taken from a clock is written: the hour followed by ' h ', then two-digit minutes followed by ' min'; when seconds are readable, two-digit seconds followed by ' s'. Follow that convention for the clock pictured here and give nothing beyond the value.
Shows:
7 h 45 min
